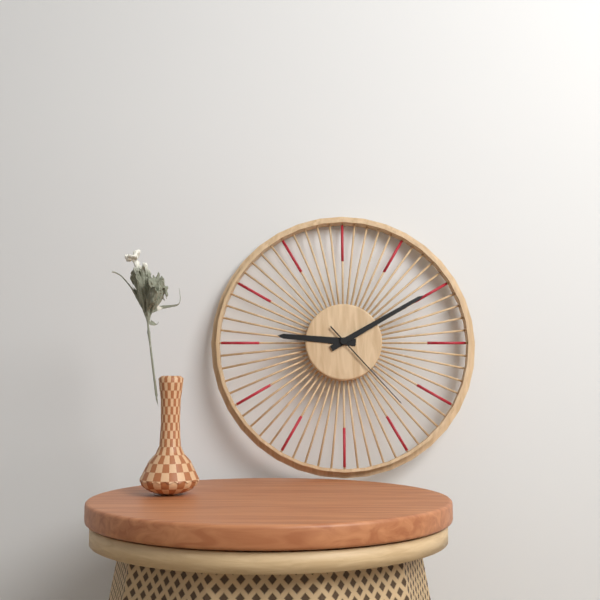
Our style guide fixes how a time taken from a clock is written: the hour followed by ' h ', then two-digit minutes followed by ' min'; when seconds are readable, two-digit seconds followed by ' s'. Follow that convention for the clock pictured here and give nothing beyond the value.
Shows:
9 h 10 min 23 s
